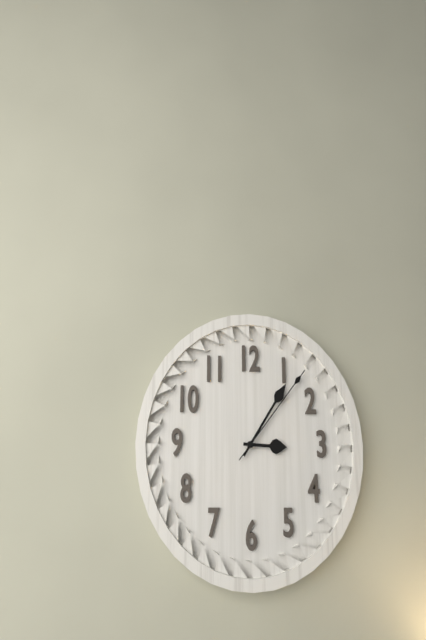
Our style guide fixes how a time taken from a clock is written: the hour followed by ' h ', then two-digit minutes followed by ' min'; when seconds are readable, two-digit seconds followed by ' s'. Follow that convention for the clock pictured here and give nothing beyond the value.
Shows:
3 h 06 min 07 s
